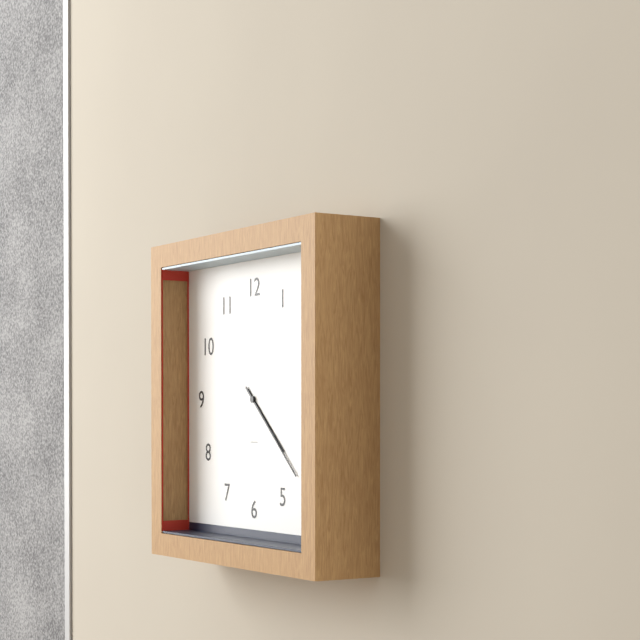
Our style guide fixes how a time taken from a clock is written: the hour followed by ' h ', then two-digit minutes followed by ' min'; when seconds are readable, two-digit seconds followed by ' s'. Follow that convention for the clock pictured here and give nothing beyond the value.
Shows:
4 h 22 min
